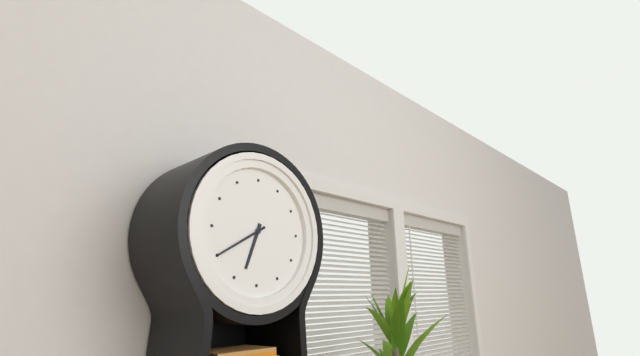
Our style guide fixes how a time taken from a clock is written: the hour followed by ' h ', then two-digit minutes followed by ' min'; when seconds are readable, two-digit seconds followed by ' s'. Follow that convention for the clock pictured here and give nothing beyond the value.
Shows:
6 h 40 min
